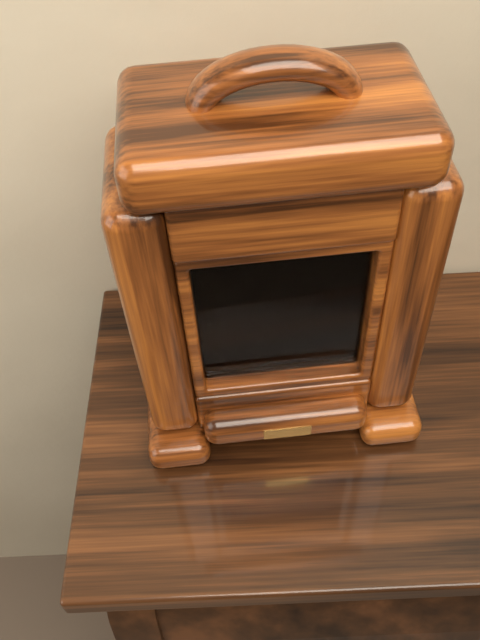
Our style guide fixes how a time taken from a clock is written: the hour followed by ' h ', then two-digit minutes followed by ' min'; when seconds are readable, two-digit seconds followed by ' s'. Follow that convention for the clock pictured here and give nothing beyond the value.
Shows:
8 h 38 min 59 s
